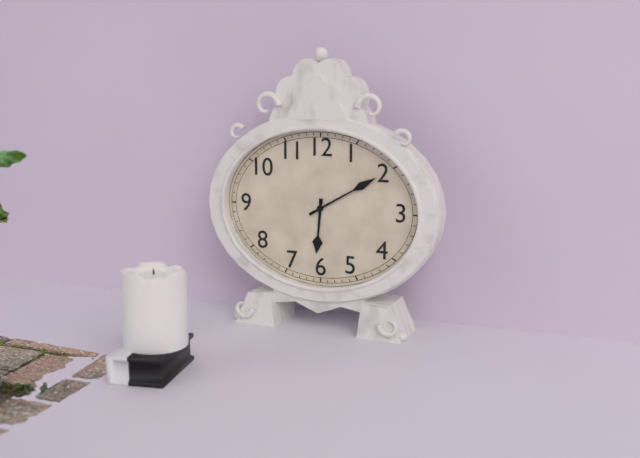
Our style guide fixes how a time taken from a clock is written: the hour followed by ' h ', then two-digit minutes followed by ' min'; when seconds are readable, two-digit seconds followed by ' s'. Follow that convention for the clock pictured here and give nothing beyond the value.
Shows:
6 h 10 min
